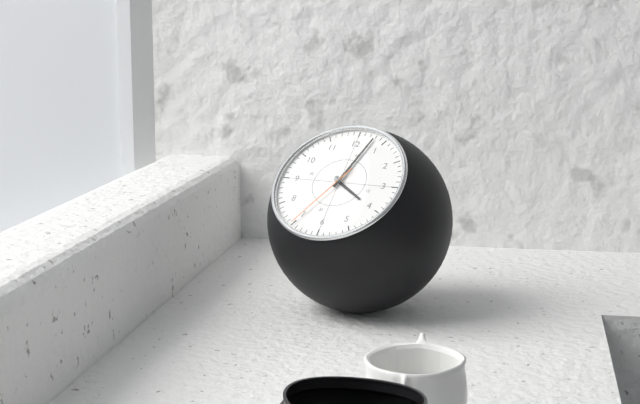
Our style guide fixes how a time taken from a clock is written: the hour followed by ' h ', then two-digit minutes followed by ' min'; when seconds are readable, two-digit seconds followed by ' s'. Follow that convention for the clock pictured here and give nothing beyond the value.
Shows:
4 h 03 min 35 s
